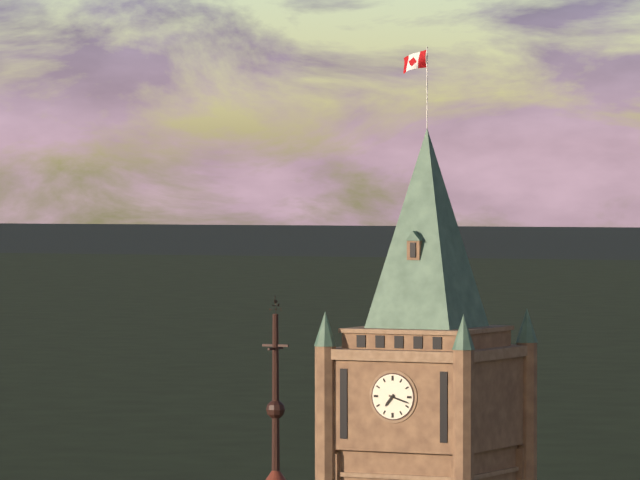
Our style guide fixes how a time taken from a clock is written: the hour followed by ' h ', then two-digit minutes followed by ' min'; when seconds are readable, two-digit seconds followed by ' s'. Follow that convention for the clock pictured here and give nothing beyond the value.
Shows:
7 h 18 min
